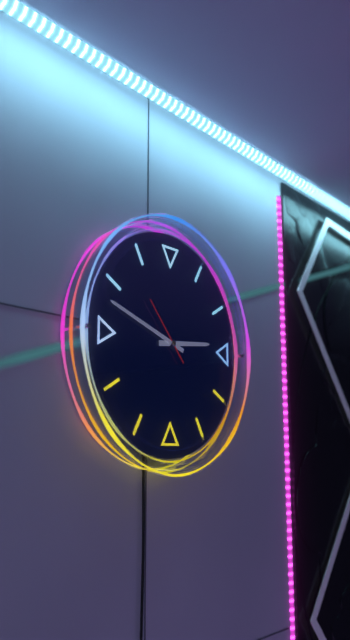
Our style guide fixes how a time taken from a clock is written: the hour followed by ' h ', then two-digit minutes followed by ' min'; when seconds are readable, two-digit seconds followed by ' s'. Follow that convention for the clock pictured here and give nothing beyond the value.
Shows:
2 h 48 min 53 s
